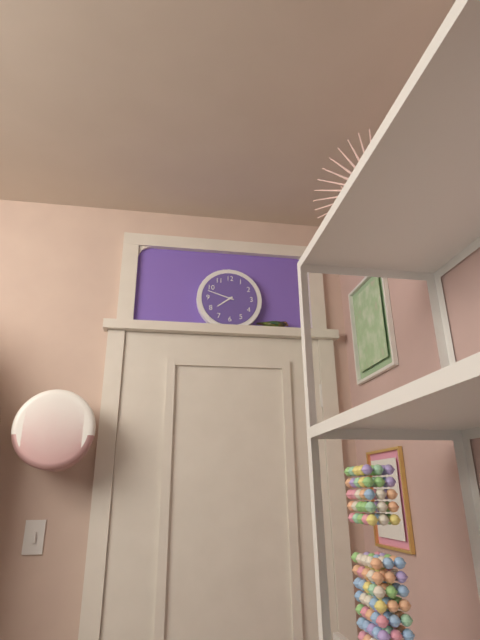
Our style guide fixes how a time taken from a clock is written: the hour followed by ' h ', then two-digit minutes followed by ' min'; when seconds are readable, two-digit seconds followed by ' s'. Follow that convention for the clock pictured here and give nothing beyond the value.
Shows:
7 h 48 min
